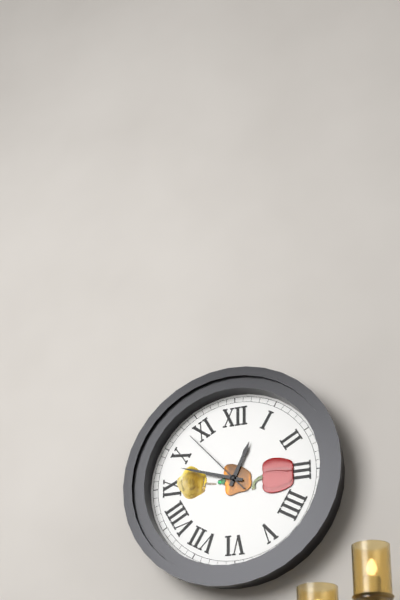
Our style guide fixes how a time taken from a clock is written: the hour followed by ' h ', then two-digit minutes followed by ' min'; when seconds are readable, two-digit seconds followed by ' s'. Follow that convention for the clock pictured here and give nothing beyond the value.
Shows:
12 h 48 min 53 s
